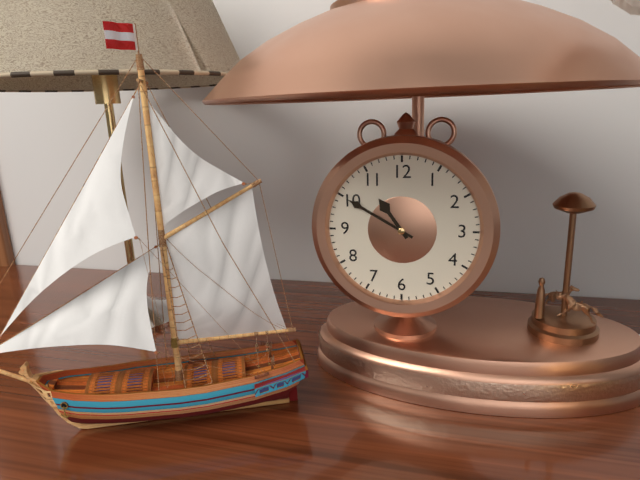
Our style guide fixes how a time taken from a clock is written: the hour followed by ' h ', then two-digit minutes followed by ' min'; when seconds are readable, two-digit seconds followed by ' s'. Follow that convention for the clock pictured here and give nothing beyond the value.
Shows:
10 h 50 min
